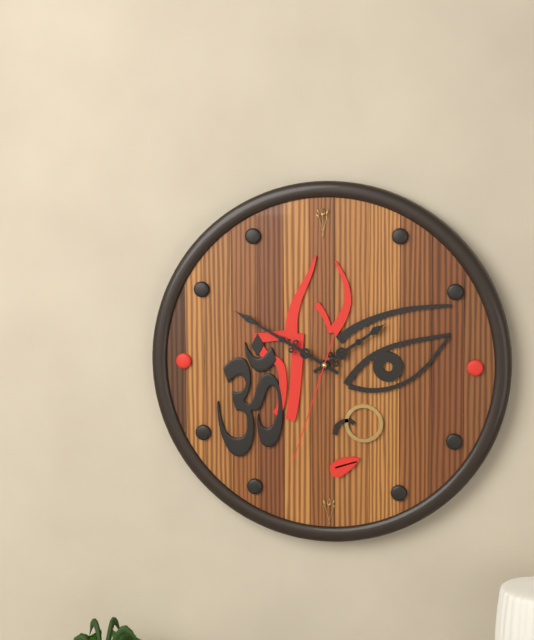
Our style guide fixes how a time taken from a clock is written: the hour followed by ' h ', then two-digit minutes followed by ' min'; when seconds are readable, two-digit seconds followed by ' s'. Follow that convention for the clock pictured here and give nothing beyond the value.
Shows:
1 h 50 min 33 s
